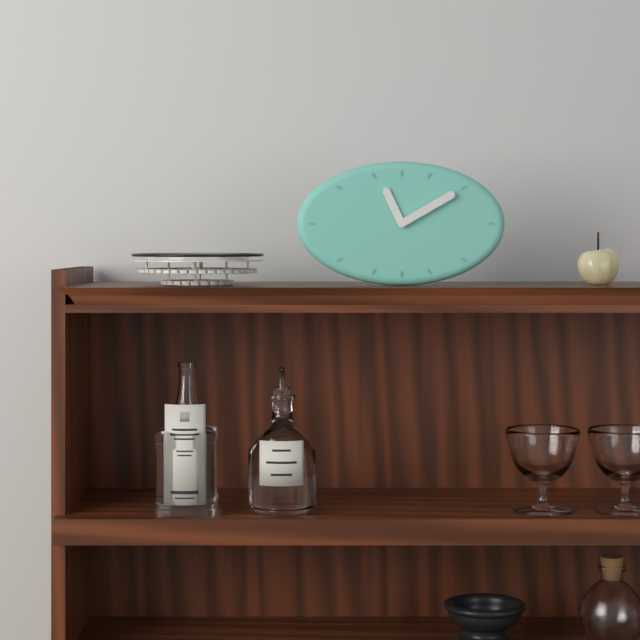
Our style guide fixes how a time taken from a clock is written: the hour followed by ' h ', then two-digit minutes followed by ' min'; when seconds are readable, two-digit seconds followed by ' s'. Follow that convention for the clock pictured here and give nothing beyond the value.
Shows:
11 h 10 min
